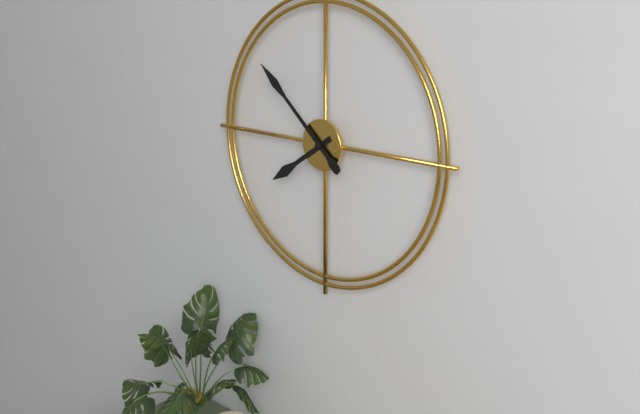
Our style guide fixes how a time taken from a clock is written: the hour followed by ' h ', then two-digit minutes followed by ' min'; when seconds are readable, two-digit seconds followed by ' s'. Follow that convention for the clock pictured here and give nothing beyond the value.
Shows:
7 h 52 min
